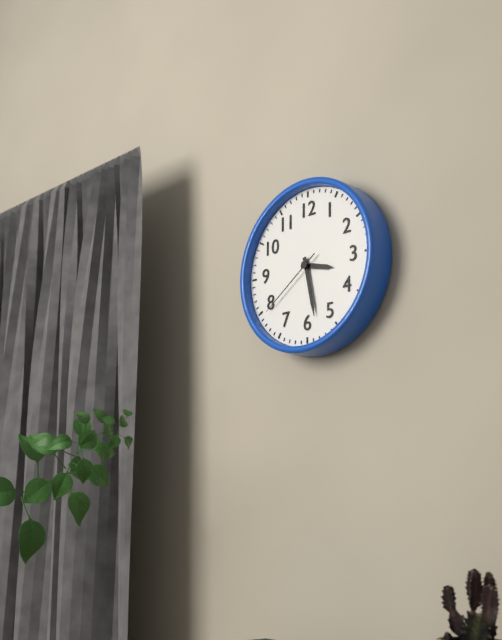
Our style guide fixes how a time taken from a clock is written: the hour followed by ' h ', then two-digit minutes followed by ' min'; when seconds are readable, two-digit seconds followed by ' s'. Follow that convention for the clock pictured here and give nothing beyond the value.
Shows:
3 h 28 min 39 s
